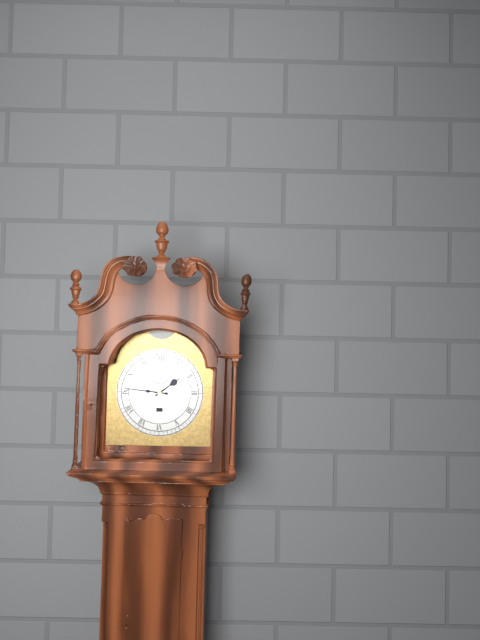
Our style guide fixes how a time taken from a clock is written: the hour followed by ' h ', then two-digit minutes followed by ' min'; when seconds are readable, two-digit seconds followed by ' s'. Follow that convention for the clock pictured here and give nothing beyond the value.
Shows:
1 h 46 min
